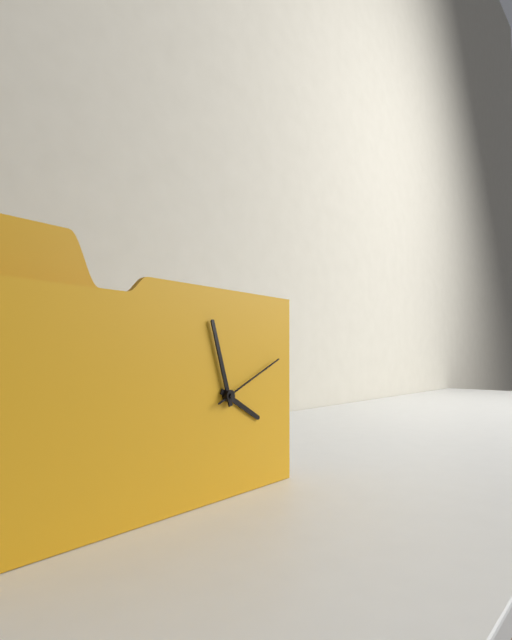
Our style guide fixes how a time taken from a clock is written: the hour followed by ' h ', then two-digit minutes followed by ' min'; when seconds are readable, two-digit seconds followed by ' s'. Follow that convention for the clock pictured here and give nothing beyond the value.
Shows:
3 h 57 min 11 s
